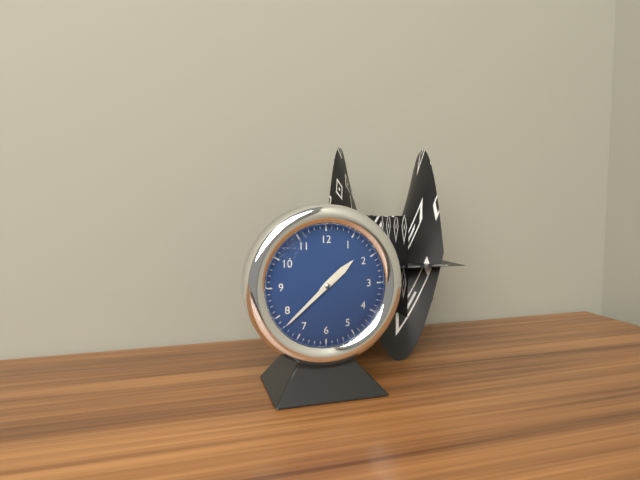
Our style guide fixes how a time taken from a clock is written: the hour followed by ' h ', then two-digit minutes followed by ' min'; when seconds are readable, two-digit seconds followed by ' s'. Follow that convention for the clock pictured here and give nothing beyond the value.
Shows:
1 h 38 min
